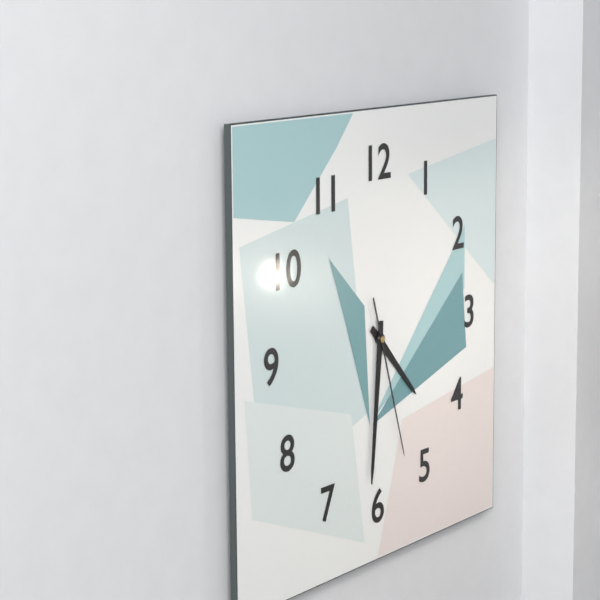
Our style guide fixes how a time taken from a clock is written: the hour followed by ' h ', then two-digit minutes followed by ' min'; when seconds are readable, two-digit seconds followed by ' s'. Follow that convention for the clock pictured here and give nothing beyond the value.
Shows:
4 h 31 min 27 s
